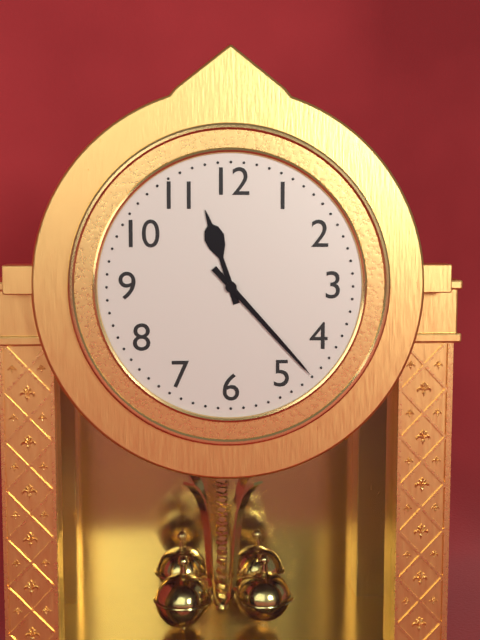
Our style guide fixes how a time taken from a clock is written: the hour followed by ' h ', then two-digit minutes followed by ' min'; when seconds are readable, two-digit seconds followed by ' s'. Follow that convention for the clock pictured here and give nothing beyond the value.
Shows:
11 h 23 min
